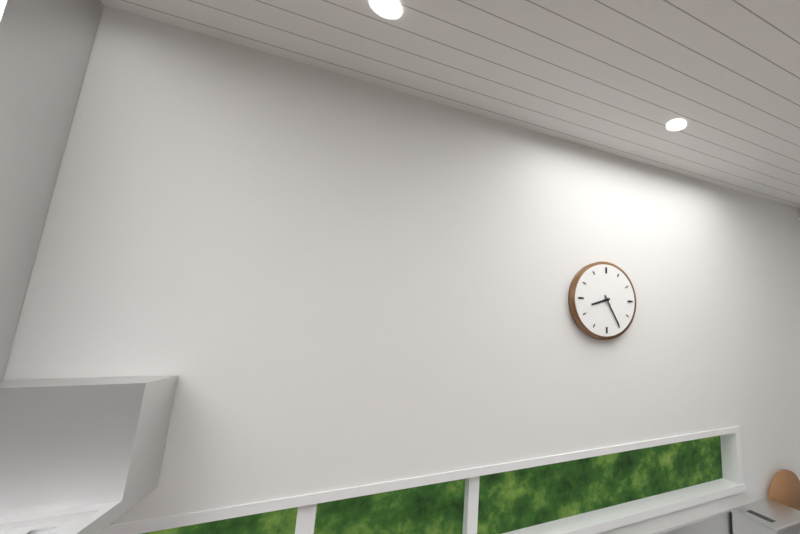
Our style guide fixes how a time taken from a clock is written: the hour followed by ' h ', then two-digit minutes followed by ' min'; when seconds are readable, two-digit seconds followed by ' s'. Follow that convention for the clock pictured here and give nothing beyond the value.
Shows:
8 h 25 min
